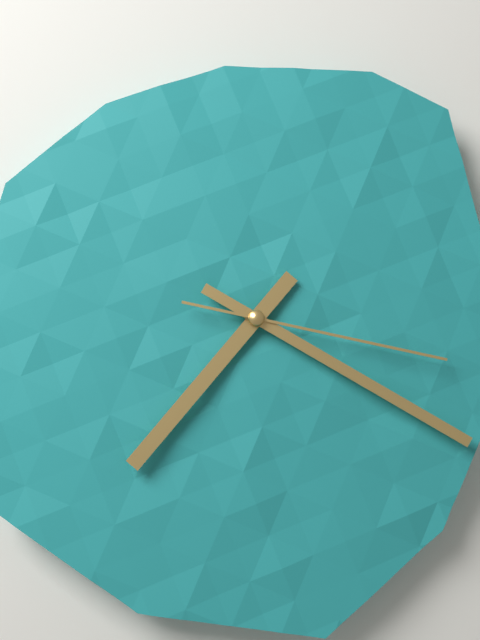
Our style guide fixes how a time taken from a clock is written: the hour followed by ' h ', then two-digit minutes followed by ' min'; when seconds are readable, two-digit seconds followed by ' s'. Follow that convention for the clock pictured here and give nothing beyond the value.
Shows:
7 h 20 min 17 s
